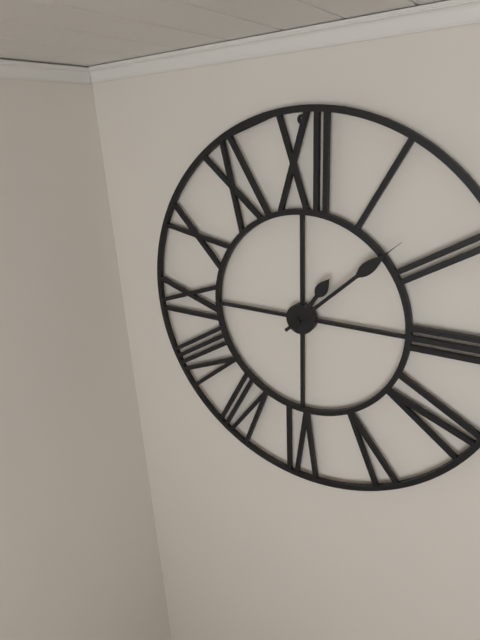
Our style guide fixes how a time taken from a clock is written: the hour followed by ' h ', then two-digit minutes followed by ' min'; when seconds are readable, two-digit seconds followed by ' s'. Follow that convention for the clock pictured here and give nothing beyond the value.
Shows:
1 h 08 min
